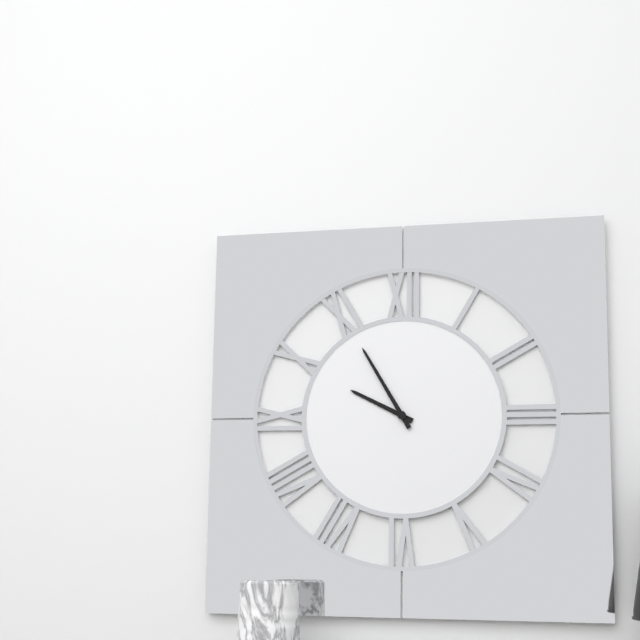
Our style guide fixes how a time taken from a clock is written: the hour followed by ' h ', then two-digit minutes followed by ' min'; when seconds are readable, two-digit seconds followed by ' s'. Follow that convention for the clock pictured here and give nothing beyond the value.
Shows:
9 h 55 min
